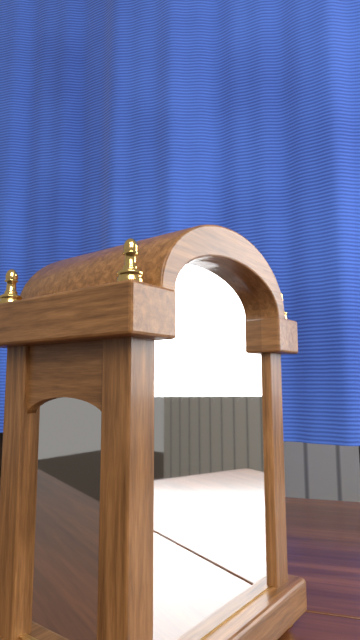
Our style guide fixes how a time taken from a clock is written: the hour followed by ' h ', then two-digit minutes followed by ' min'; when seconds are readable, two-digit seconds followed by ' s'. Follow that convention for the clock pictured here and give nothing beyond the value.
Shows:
4 h 59 min
